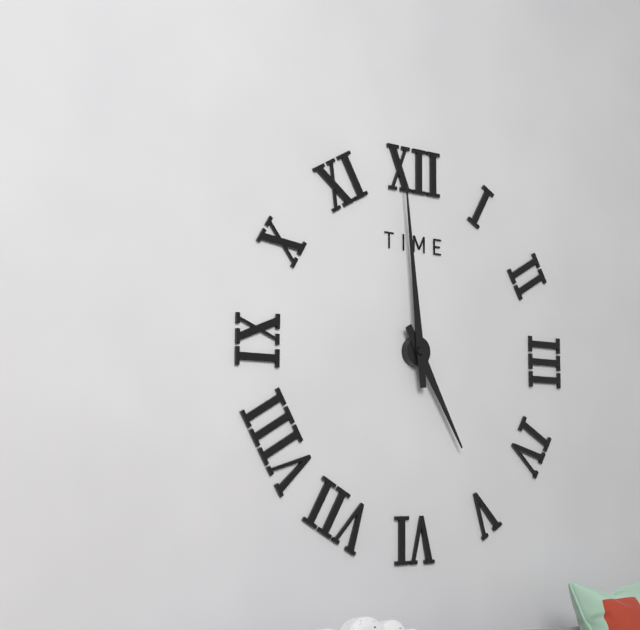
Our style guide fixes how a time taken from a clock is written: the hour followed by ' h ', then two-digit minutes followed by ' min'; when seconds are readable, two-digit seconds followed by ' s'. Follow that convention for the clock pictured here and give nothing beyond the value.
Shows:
4 h 59 min
